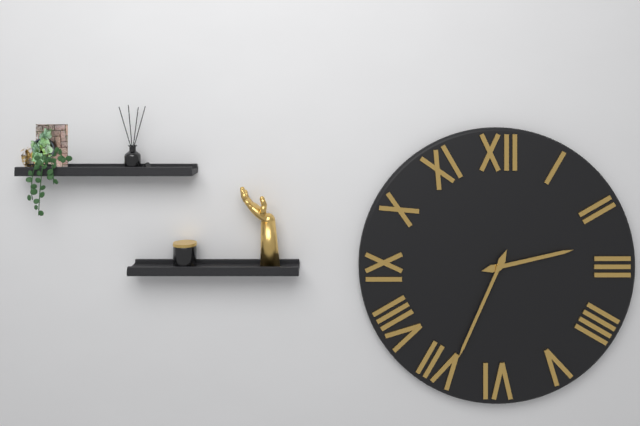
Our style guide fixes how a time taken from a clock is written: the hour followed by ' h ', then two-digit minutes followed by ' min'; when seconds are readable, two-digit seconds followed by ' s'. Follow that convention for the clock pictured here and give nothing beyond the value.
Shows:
2 h 34 min
